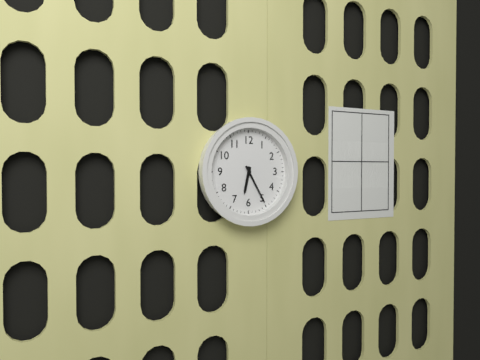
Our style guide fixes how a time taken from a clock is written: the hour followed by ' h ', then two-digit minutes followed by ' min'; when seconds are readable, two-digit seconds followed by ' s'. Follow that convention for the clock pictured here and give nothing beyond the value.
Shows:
6 h 25 min
